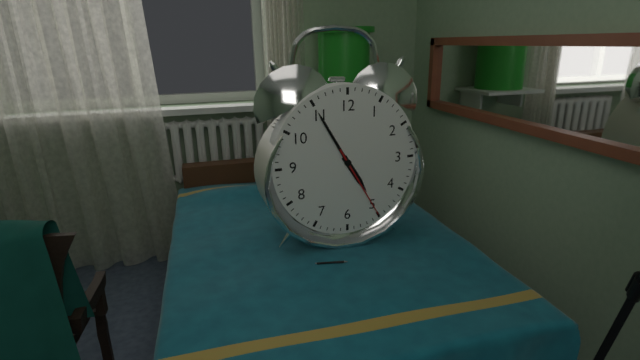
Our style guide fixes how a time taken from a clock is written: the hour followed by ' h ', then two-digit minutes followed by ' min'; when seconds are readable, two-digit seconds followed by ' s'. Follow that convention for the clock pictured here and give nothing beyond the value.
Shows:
4 h 55 min 25 s
